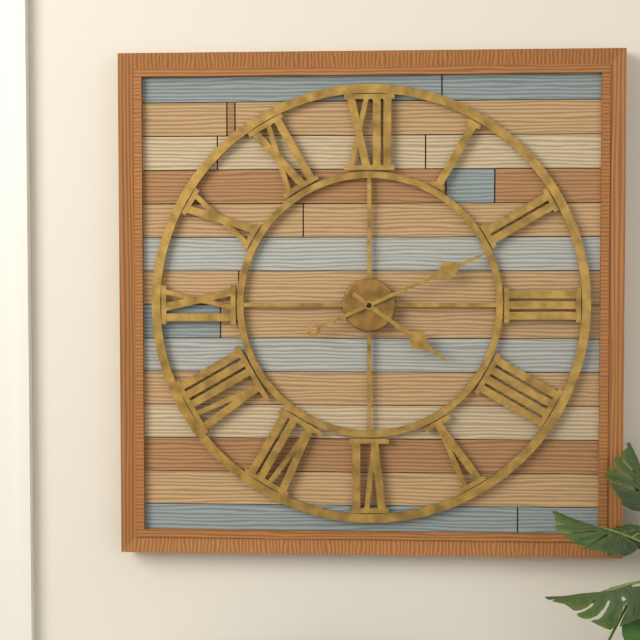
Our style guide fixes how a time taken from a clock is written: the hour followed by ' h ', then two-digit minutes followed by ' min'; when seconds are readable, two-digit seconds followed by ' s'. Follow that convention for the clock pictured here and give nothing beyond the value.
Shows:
4 h 11 min
